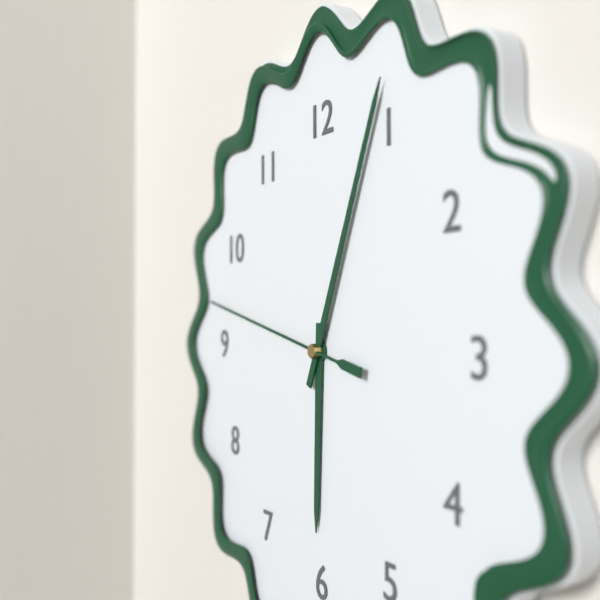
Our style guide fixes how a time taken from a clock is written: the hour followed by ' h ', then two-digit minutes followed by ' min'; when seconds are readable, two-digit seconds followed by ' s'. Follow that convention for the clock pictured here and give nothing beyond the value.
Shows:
6 h 04 min 47 s
